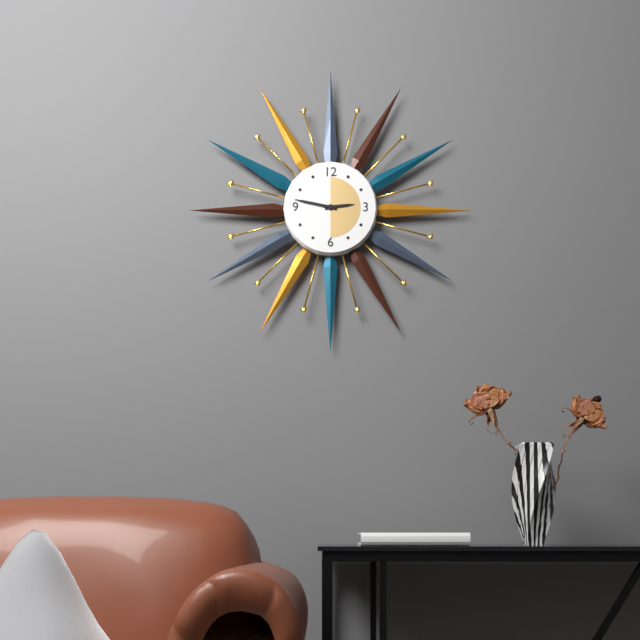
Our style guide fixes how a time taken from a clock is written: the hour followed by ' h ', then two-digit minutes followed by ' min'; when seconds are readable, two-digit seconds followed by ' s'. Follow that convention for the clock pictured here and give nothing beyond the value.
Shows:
2 h 47 min
